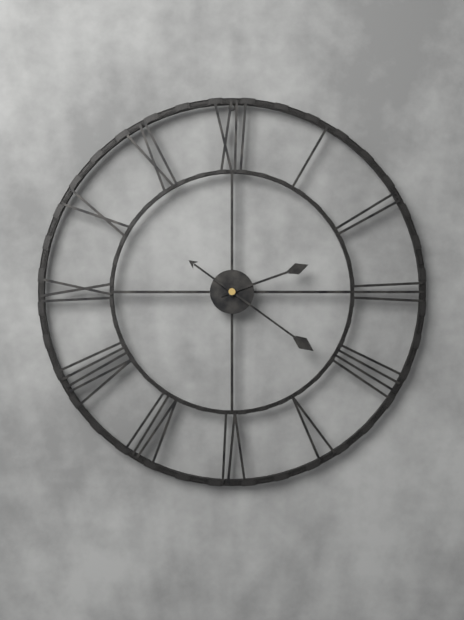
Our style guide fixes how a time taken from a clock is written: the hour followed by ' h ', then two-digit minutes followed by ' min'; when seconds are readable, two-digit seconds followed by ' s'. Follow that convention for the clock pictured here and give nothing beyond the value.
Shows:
2 h 21 min
